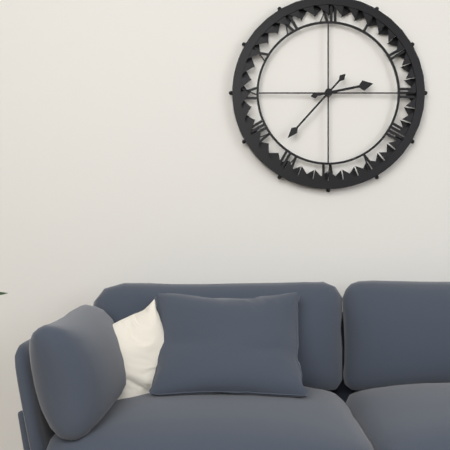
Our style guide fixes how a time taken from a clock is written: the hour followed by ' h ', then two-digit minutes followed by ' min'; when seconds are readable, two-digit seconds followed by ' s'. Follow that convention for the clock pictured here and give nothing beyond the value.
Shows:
2 h 37 min
